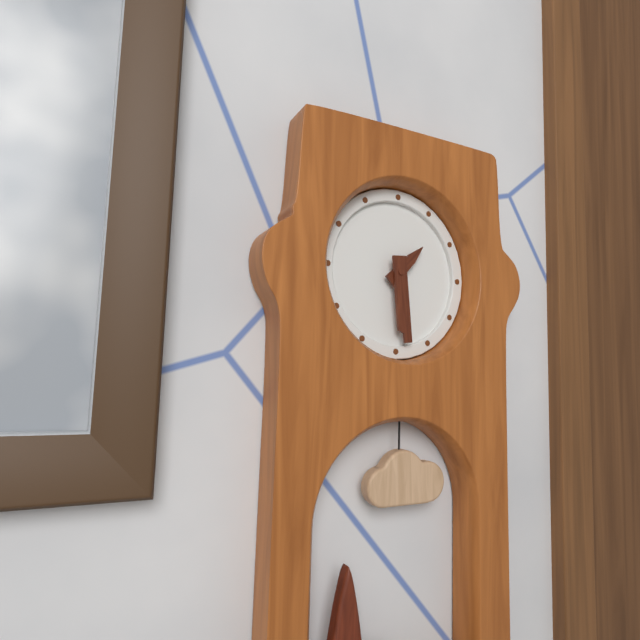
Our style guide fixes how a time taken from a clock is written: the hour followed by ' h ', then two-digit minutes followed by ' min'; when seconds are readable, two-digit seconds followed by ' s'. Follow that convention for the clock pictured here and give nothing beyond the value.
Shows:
1 h 29 min
